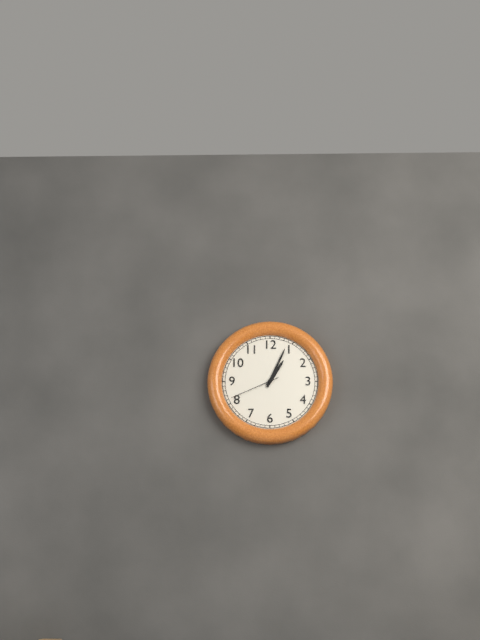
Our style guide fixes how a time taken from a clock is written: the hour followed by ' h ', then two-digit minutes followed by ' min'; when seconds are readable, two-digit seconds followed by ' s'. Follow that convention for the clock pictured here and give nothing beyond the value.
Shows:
1 h 04 min 41 s
